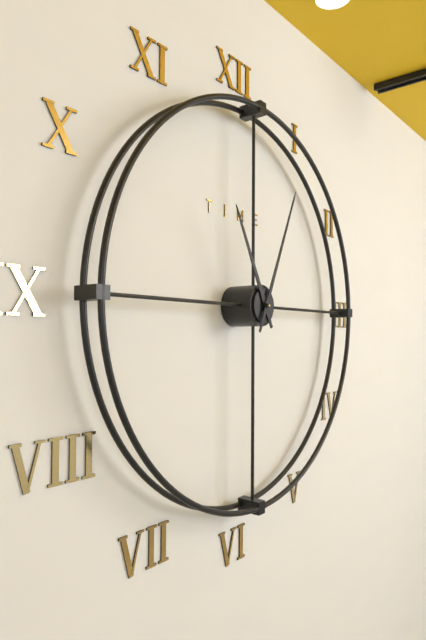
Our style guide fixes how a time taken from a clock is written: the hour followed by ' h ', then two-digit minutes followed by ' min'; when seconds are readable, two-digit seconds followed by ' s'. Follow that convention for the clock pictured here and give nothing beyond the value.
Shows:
11 h 04 min
